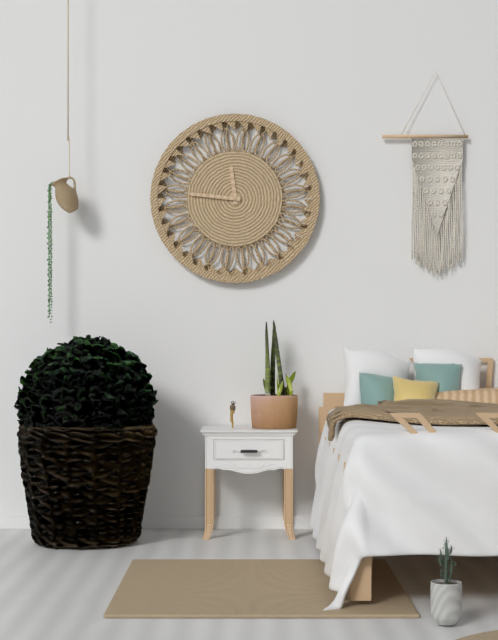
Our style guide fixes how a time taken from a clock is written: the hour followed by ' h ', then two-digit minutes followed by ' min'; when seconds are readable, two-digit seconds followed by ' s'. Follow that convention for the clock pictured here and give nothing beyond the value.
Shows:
11 h 46 min
